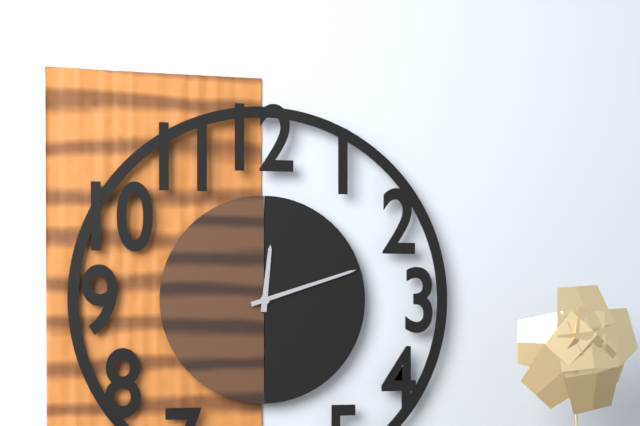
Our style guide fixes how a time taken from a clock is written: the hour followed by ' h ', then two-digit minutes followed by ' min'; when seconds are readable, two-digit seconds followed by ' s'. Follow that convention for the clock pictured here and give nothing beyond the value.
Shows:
12 h 12 min
